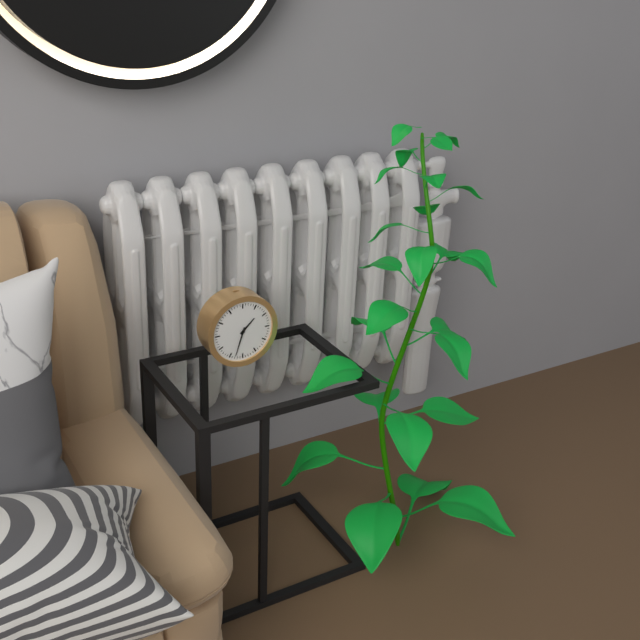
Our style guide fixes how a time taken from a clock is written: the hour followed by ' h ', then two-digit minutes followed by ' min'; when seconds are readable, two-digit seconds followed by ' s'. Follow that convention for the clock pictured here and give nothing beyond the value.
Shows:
1 h 33 min
